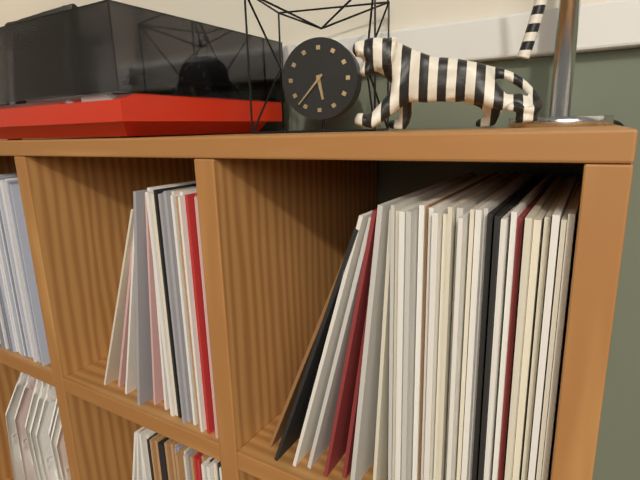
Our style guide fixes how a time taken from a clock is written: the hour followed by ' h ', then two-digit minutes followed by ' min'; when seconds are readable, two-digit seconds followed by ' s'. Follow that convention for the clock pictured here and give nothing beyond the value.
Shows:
5 h 37 min
